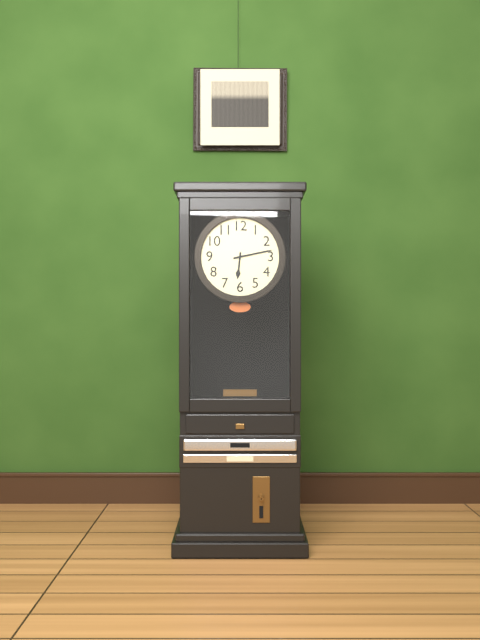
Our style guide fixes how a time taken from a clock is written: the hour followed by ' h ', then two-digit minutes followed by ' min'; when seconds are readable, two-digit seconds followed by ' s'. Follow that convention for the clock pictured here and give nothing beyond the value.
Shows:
6 h 13 min
